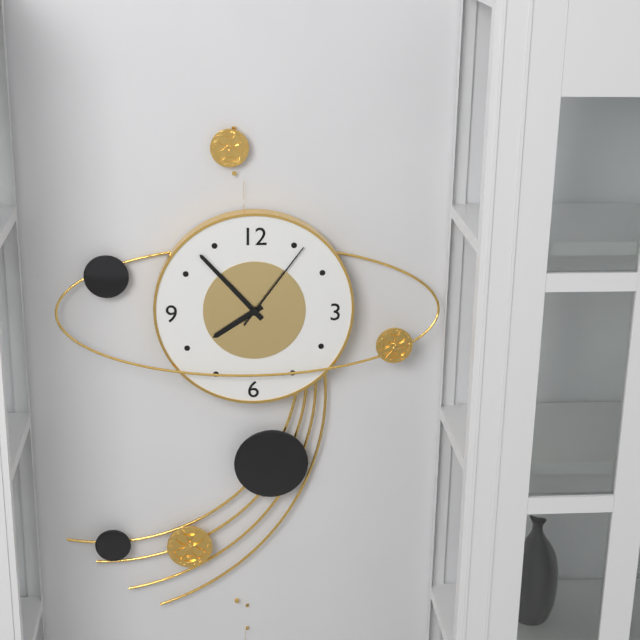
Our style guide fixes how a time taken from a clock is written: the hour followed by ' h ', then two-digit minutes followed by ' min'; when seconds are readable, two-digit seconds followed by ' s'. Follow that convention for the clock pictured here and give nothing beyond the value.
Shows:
7 h 53 min 06 s
